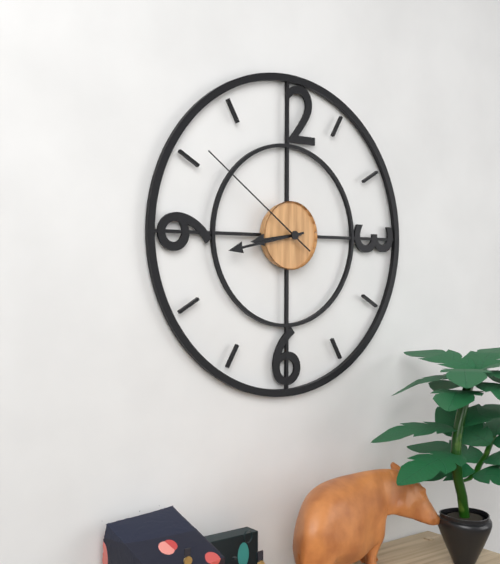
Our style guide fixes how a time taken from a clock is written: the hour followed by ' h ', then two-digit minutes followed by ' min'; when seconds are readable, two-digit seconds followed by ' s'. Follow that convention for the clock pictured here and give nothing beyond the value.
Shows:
8 h 43 min 51 s
